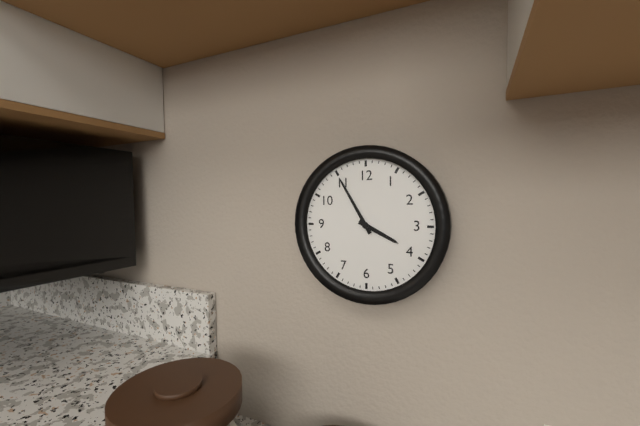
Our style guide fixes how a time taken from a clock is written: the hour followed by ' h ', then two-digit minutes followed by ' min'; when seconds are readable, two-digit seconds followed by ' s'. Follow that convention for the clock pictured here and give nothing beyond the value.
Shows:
3 h 55 min
